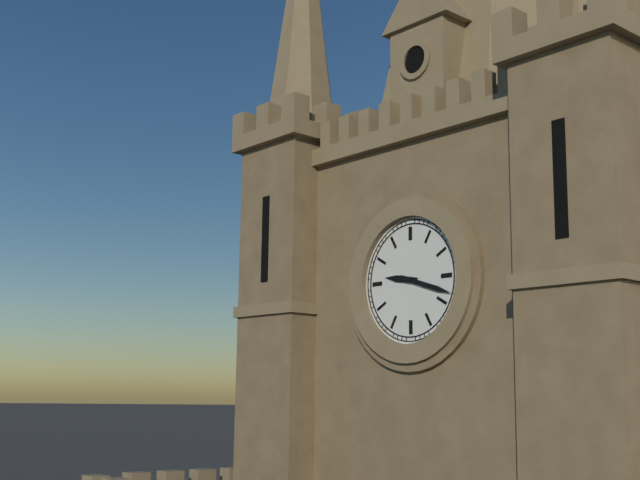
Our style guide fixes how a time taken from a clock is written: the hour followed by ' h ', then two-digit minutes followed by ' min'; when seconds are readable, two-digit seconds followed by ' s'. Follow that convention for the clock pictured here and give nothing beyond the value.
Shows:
9 h 18 min
